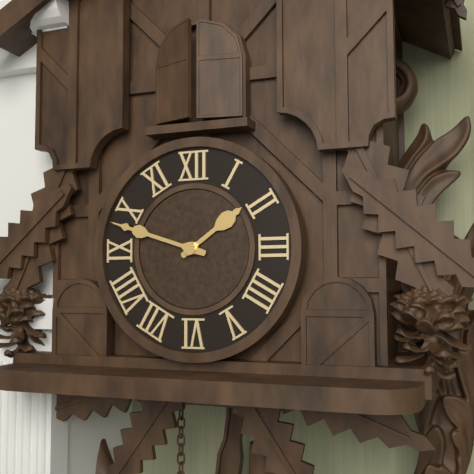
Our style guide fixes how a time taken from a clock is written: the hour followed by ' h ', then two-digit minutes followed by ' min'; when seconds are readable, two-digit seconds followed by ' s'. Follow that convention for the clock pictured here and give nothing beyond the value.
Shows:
1 h 48 min
